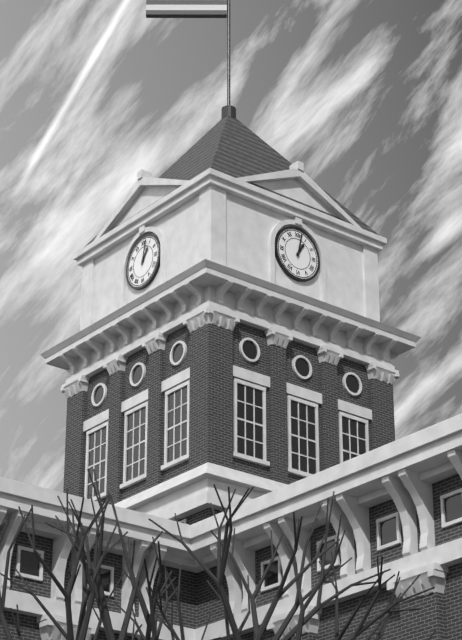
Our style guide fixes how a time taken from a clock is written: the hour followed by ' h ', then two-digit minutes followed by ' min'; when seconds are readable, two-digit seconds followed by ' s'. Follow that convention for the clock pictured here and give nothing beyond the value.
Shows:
1 h 02 min
